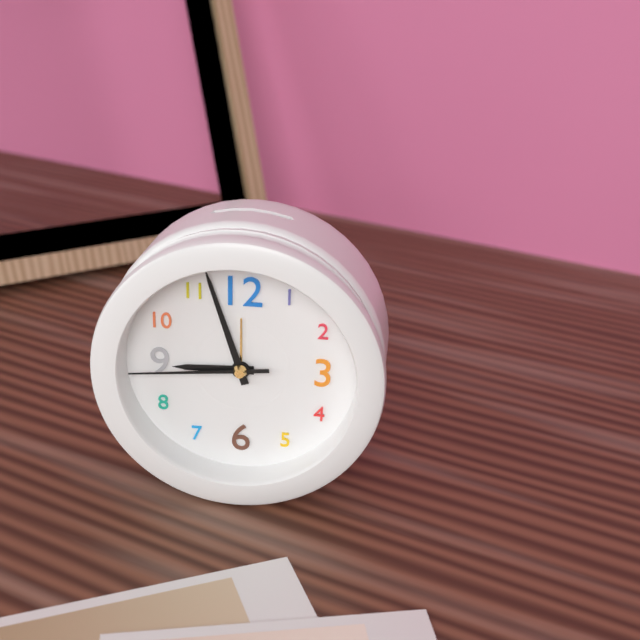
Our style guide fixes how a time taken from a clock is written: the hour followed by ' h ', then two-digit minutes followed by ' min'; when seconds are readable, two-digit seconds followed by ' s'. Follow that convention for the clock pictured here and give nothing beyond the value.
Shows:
8 h 57 min 44 s
